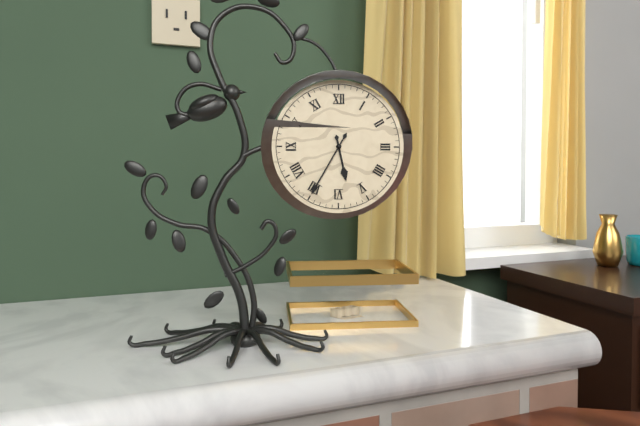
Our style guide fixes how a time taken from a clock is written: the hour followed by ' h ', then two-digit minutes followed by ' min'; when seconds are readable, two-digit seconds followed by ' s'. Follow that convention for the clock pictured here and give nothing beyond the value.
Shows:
5 h 35 min
